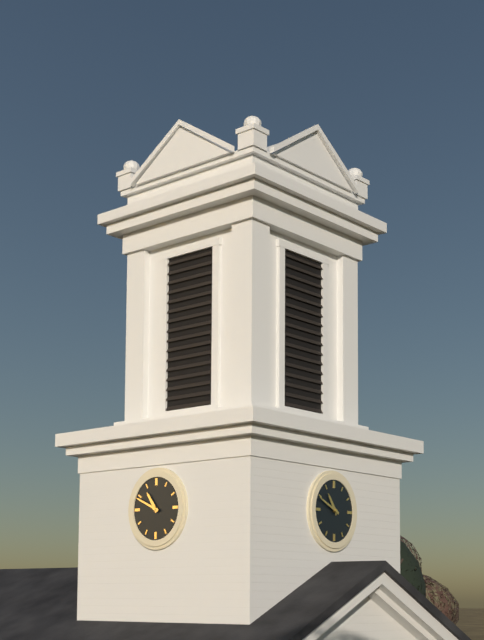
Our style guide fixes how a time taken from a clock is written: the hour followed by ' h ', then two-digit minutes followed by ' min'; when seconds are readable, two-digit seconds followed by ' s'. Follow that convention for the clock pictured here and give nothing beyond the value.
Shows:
10 h 49 min
